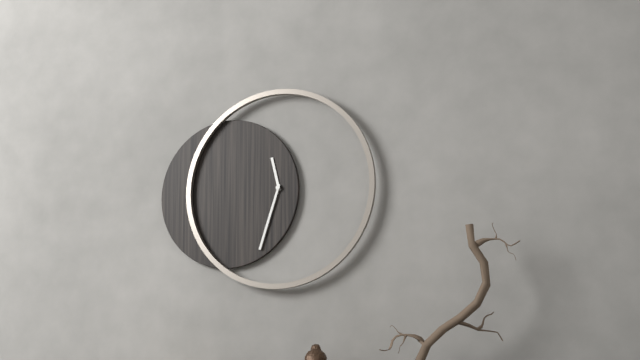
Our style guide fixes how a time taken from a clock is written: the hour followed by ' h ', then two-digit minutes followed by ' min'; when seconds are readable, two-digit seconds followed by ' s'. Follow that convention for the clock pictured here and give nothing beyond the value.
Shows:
11 h 33 min
